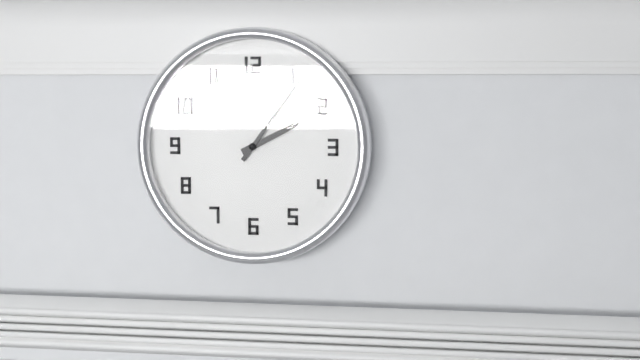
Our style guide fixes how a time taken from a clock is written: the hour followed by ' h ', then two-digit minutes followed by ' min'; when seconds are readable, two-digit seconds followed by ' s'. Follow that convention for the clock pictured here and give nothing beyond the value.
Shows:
2 h 06 min
